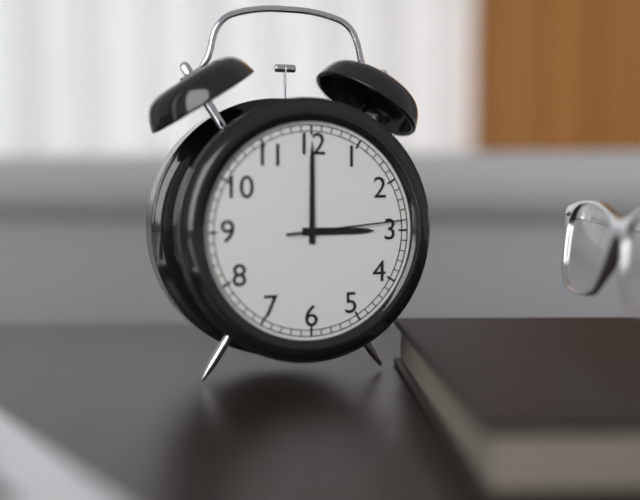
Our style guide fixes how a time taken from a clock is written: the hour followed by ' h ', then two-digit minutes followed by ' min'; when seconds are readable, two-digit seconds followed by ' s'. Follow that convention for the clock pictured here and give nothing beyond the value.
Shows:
3 h 00 min 14 s
